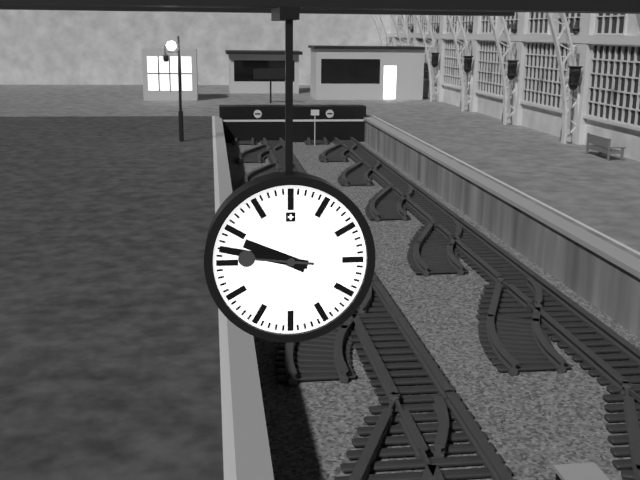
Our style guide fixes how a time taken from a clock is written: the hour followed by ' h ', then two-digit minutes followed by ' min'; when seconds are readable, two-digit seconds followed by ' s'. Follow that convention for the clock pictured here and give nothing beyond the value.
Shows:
9 h 47 min 46 s
